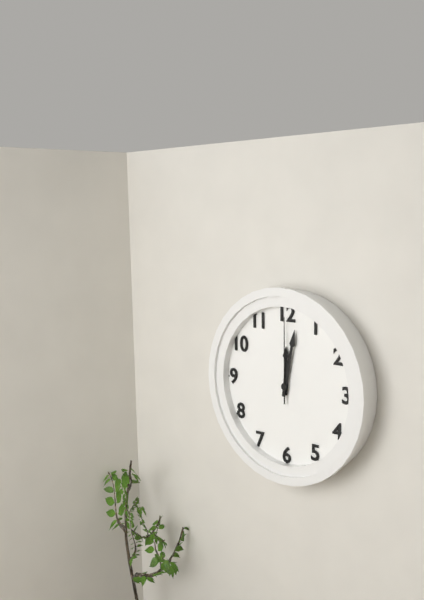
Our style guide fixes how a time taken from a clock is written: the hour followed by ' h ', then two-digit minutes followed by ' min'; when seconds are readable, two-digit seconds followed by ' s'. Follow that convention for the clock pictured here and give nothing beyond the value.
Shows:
12 h 02 min 00 s
